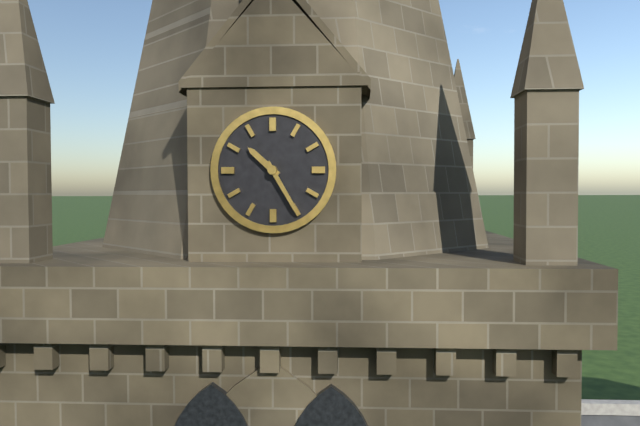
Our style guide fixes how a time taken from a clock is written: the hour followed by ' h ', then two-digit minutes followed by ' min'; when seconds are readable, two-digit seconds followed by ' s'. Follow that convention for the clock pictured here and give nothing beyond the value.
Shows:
10 h 25 min
